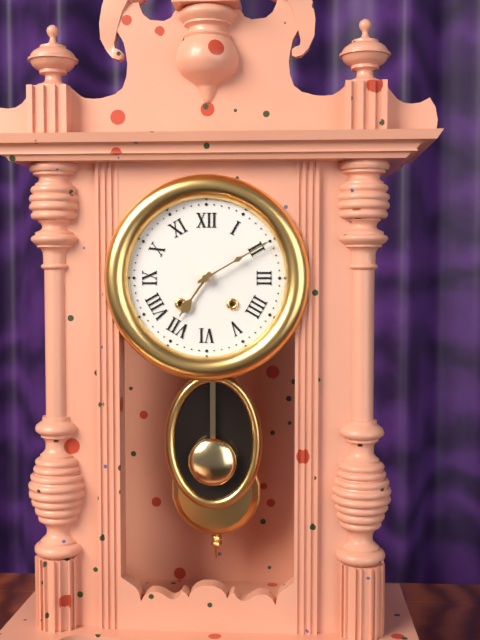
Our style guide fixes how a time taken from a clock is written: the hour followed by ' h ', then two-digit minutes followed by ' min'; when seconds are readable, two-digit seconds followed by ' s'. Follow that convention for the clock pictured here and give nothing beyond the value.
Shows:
7 h 10 min
